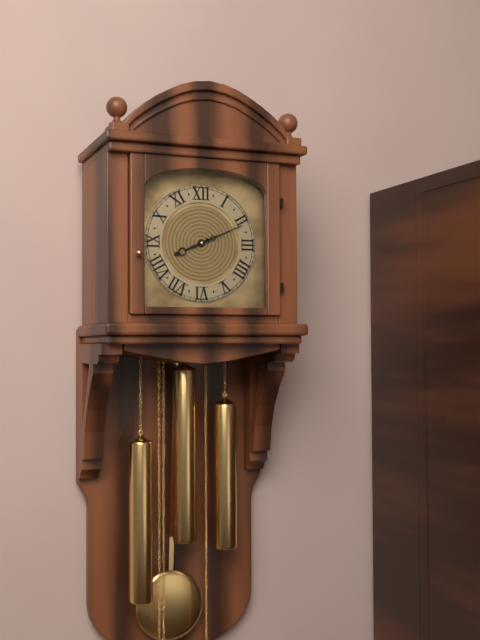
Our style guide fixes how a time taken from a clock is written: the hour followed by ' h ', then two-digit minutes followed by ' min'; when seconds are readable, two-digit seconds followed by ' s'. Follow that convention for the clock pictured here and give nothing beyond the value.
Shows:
8 h 11 min
